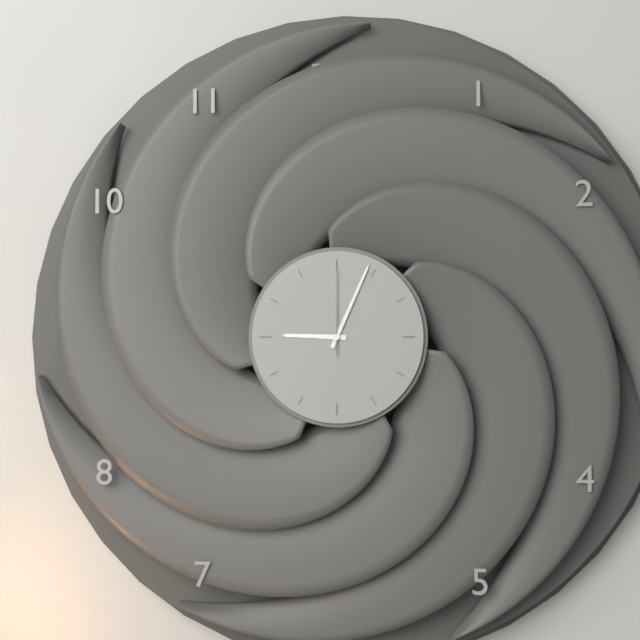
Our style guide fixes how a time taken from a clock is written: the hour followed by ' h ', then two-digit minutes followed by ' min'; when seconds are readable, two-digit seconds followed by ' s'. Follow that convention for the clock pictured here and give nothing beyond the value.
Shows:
9 h 04 min 00 s
